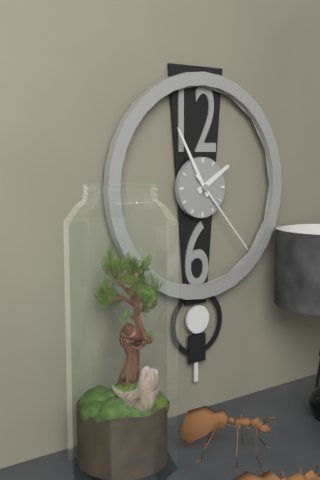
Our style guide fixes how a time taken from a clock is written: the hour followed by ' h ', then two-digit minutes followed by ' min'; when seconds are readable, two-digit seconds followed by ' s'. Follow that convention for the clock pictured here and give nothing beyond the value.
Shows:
1 h 55 min 23 s
